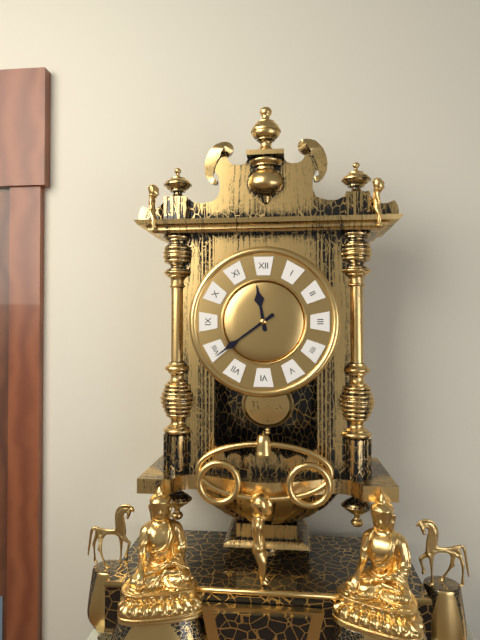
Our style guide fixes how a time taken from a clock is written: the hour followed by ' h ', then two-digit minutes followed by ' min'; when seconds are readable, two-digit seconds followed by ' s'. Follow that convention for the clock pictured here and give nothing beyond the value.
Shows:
11 h 39 min
